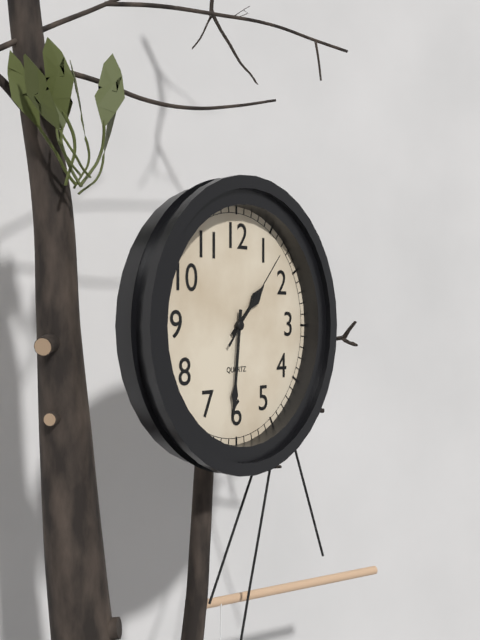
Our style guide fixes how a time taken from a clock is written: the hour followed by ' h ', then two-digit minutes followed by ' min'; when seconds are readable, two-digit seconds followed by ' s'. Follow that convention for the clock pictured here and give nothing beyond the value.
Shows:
1 h 31 min 07 s
